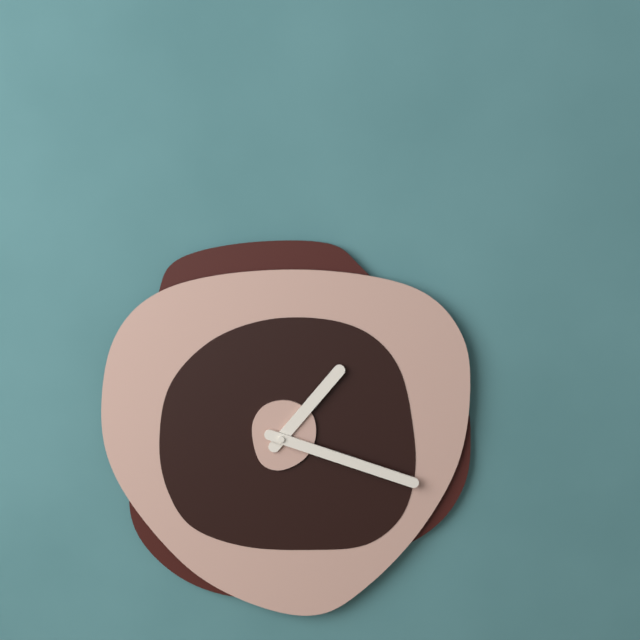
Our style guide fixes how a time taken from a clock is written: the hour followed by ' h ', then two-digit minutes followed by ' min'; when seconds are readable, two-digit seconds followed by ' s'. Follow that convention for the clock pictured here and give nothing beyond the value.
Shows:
1 h 18 min
